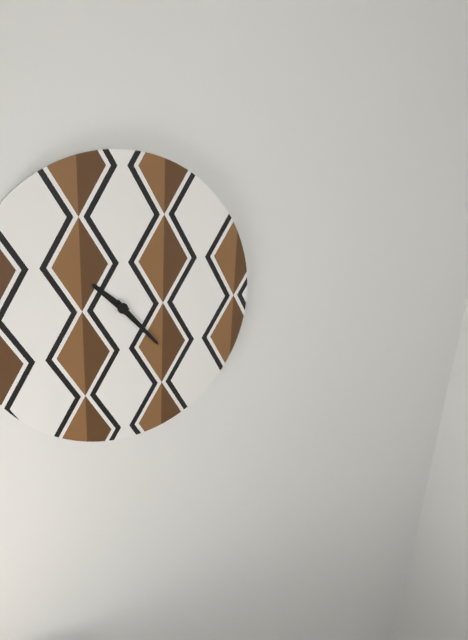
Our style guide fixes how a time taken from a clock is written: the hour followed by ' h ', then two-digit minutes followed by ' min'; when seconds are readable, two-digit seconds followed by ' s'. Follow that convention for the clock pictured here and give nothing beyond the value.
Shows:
10 h 23 min
